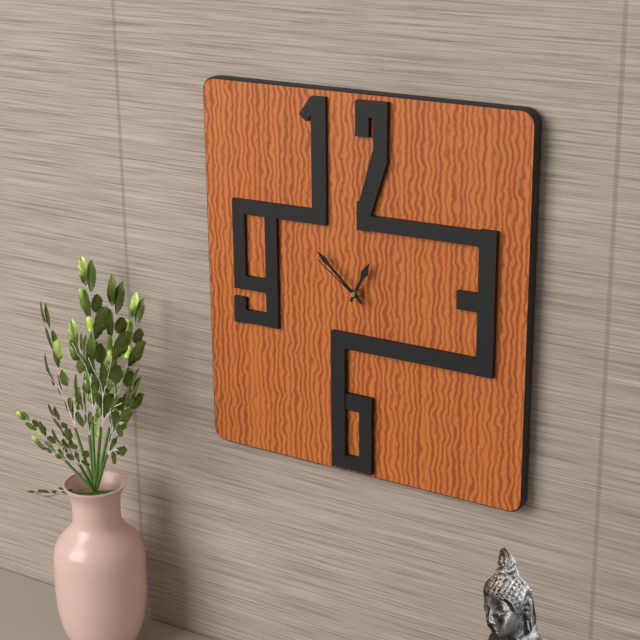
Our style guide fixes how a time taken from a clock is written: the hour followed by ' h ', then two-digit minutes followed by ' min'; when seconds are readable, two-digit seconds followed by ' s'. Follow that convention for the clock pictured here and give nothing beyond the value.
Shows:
12 h 52 min 51 s
